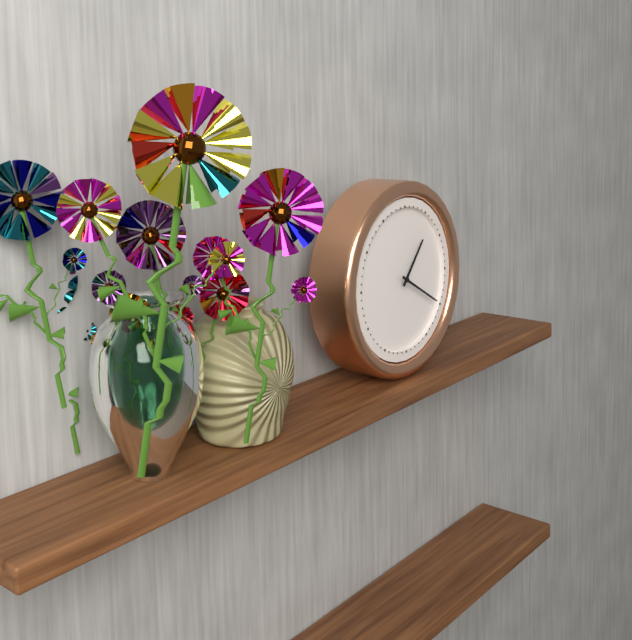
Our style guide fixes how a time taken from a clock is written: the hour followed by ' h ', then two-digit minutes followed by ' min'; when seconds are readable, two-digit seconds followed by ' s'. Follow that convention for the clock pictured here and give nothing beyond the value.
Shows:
1 h 20 min
